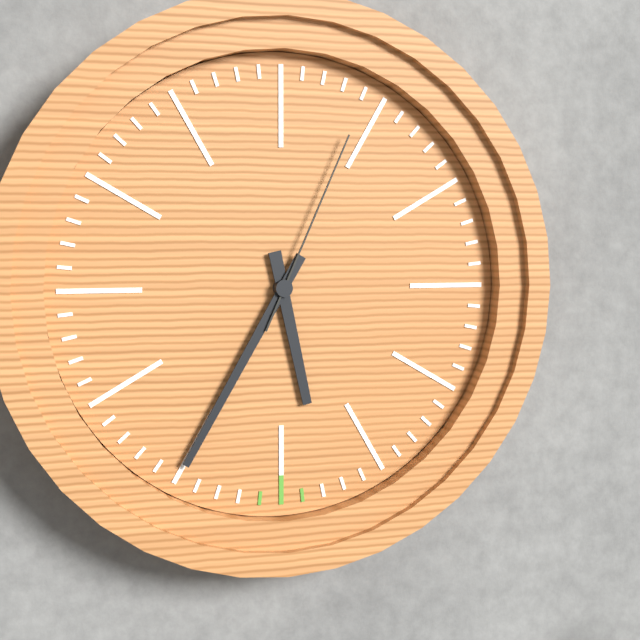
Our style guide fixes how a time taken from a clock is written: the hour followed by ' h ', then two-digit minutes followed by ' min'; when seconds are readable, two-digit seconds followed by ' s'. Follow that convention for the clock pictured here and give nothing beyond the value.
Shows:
5 h 35 min 04 s
